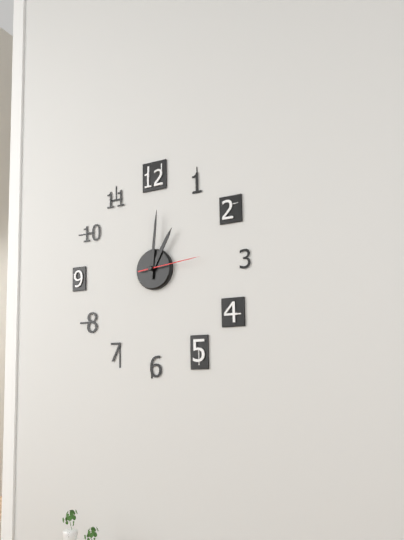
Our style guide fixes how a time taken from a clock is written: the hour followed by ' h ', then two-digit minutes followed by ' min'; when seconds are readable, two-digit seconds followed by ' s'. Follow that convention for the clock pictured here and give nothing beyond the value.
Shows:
1 h 01 min 14 s
